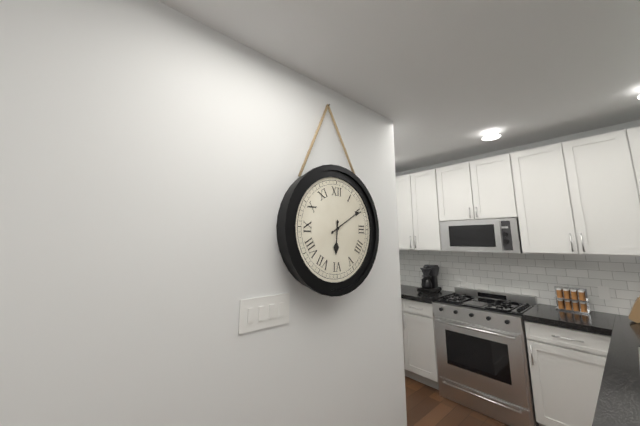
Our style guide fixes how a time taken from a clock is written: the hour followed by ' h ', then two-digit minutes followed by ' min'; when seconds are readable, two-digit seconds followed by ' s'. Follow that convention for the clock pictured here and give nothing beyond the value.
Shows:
6 h 10 min
